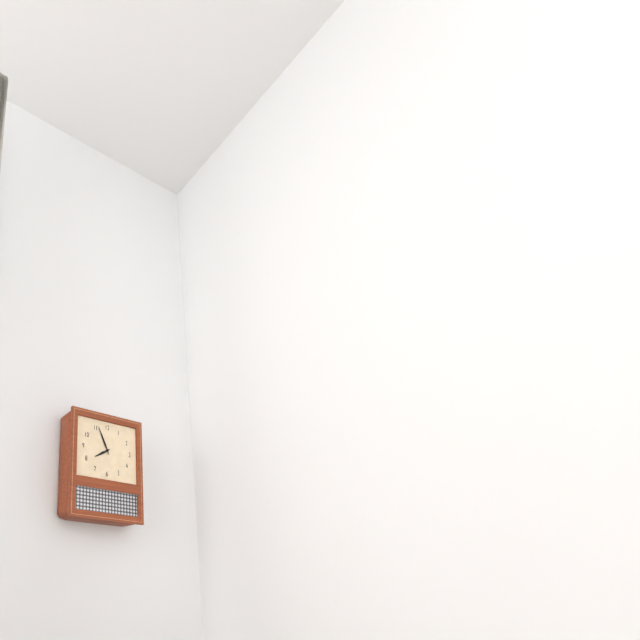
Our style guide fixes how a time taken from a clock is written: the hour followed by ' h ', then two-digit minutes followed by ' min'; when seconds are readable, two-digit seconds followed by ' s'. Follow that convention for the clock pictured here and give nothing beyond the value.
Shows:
7 h 56 min
